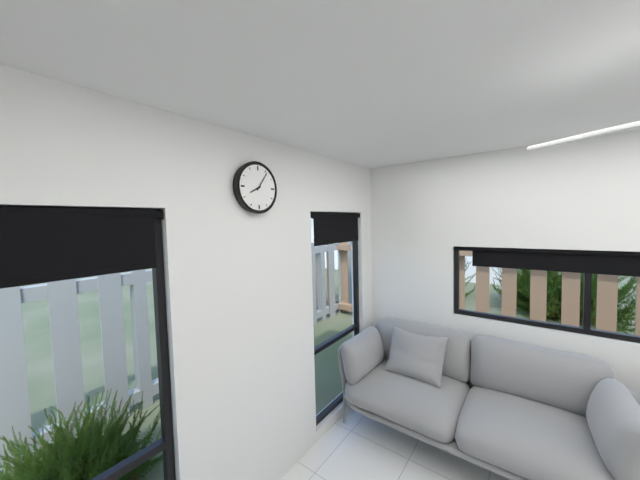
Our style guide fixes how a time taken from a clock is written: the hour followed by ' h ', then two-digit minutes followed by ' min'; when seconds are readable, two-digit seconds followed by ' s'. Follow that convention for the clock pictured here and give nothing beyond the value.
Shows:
8 h 06 min
